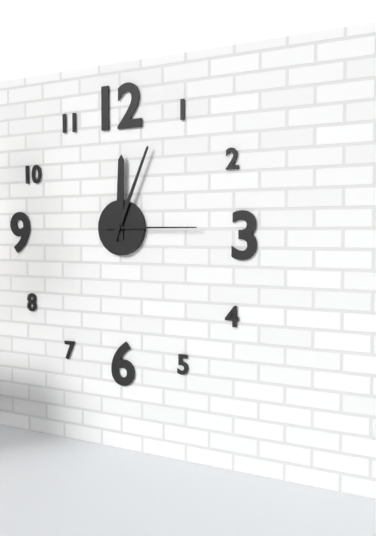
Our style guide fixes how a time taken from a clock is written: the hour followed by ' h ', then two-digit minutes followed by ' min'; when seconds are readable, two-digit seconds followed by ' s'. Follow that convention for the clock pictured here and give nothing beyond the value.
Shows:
12 h 04 min 15 s
